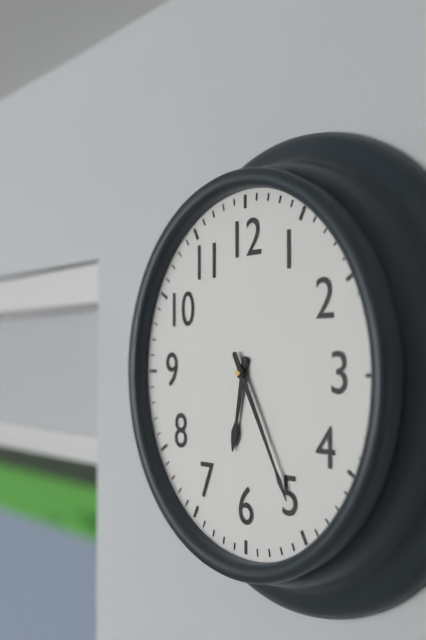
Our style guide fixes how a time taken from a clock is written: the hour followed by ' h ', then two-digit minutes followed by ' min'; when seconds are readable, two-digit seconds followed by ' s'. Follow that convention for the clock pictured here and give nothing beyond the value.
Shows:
6 h 25 min
